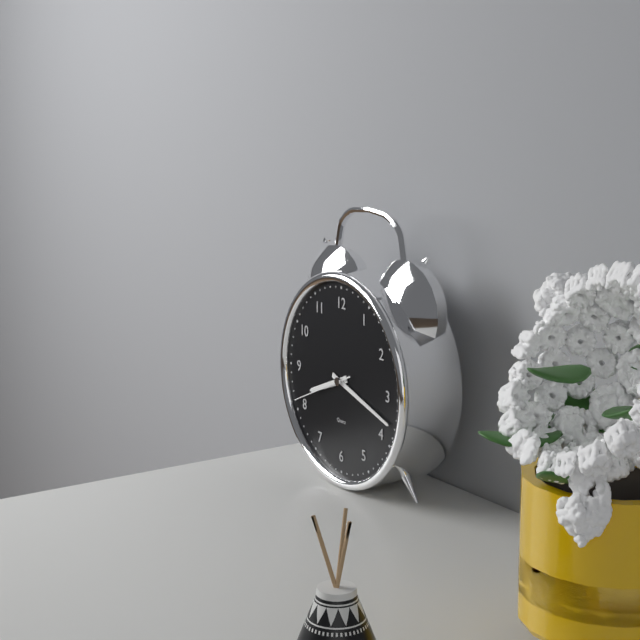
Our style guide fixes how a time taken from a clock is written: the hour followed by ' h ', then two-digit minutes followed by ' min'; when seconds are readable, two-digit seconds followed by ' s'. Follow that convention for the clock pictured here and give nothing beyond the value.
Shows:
8 h 18 min 41 s
